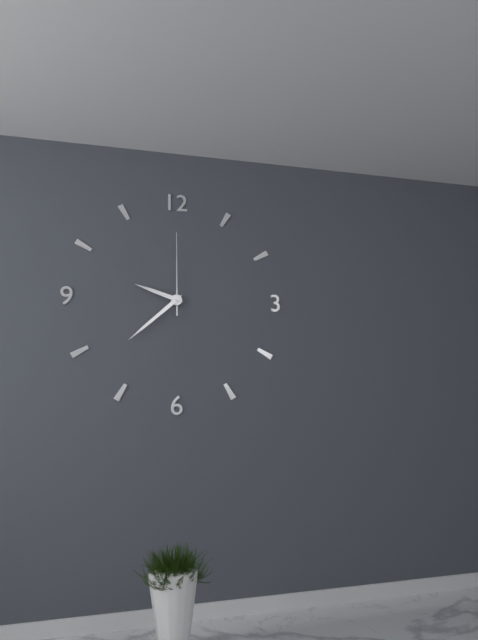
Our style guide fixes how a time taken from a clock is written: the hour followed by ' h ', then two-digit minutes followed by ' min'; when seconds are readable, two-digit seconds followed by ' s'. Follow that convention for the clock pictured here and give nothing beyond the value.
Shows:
9 h 38 min 00 s
